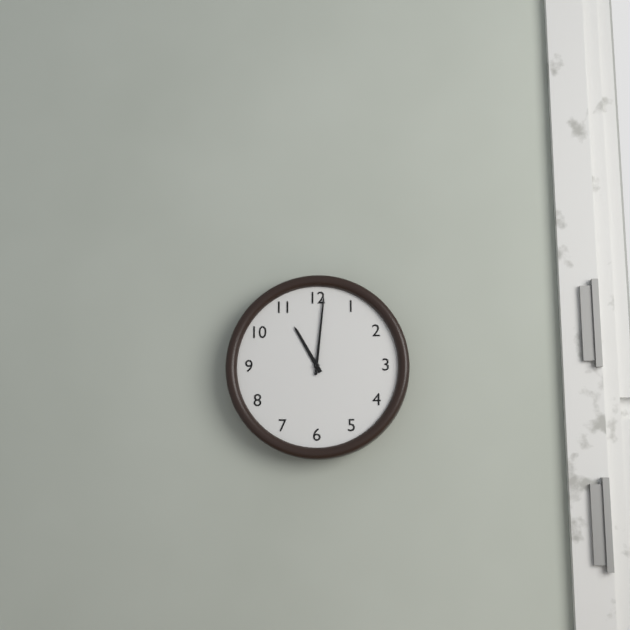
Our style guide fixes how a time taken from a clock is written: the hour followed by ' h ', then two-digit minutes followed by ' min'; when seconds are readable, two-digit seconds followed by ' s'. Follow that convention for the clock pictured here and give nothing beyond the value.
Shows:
11 h 01 min
